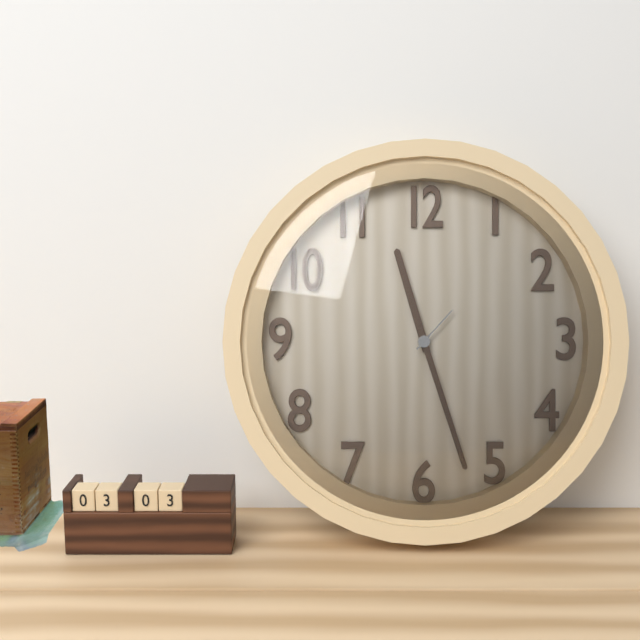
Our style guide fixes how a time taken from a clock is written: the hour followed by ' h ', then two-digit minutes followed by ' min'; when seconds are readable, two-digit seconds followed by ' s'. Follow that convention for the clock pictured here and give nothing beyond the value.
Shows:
11 h 27 min 07 s
